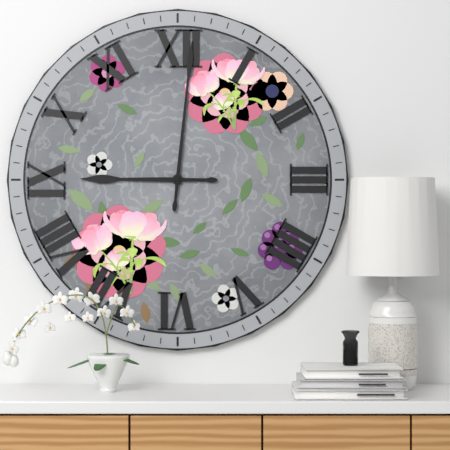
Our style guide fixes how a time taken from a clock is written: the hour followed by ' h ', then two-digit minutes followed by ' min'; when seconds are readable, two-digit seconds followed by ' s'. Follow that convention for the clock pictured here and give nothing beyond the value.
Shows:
9 h 01 min
